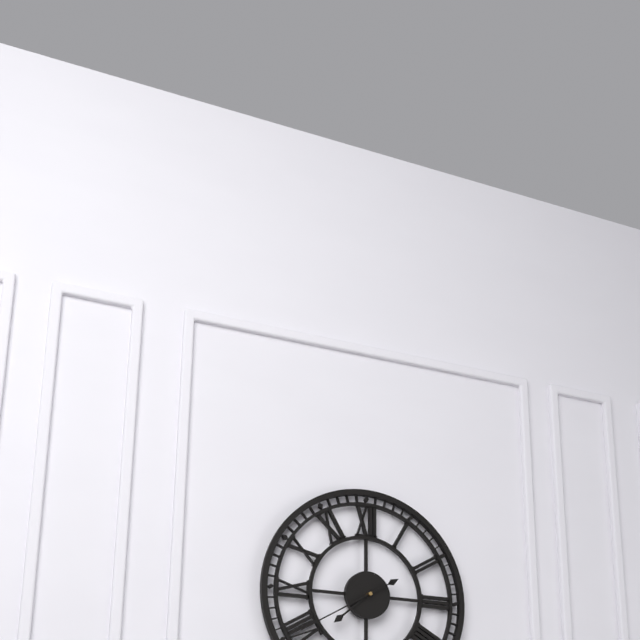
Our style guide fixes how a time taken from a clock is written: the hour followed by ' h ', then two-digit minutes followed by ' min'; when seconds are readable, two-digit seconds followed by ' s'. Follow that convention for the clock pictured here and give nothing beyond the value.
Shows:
7 h 40 min
